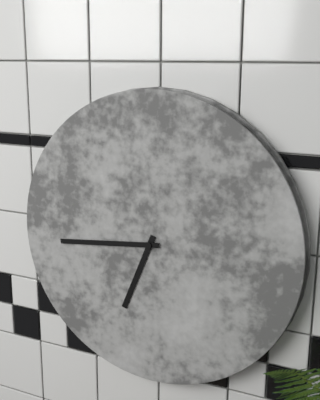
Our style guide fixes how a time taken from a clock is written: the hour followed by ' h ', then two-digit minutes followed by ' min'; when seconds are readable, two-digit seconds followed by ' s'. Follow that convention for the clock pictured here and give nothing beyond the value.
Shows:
6 h 44 min
